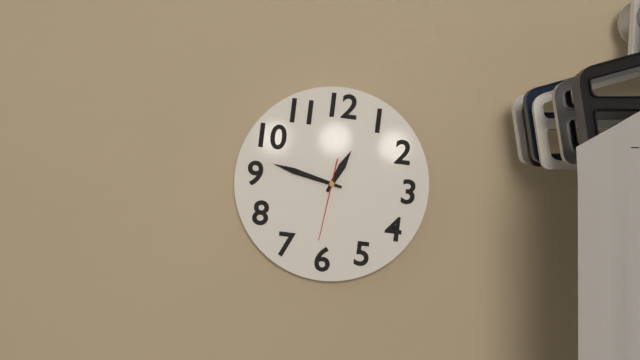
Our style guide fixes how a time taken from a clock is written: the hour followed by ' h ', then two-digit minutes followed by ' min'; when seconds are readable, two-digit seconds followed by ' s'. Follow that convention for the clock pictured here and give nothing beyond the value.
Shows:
12 h 47 min 31 s
